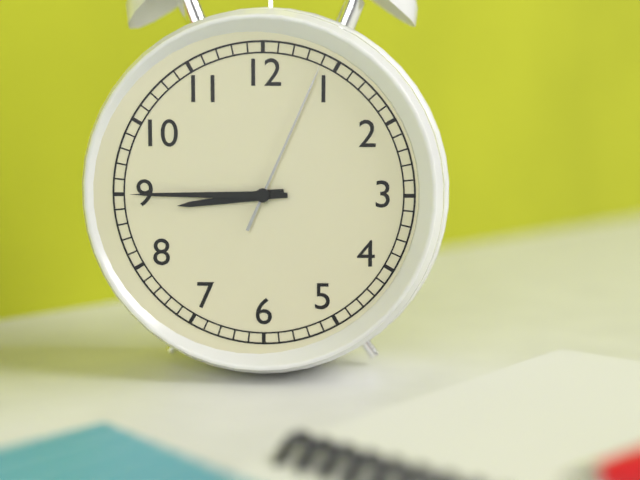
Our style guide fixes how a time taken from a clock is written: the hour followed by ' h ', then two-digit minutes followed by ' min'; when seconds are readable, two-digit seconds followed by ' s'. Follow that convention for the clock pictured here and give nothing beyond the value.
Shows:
8 h 45 min 04 s
